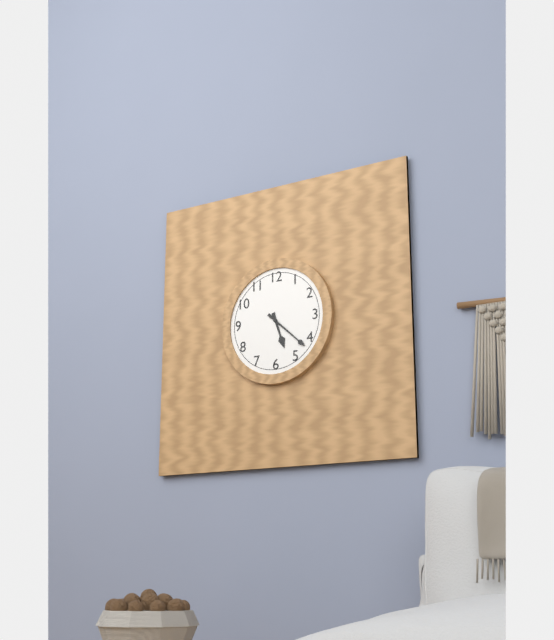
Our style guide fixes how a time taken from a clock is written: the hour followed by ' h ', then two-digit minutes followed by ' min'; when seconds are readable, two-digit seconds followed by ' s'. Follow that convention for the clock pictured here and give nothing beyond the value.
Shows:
5 h 22 min
